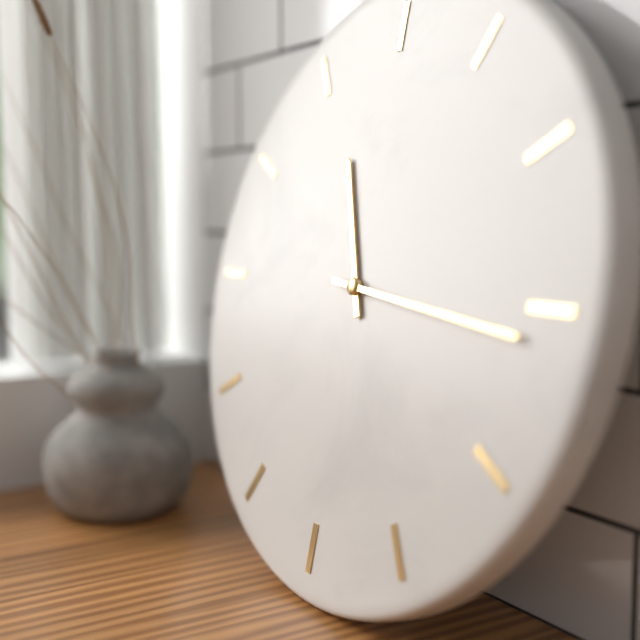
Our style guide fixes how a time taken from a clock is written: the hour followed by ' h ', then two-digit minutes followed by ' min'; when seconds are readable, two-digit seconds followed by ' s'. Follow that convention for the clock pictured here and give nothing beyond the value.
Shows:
11 h 16 min
